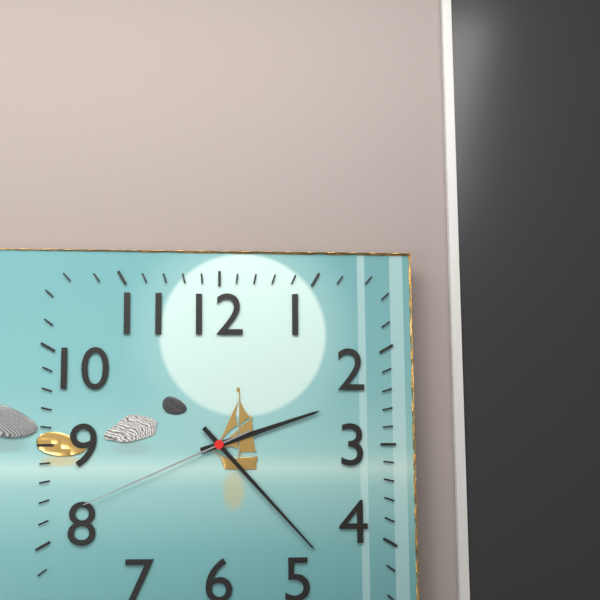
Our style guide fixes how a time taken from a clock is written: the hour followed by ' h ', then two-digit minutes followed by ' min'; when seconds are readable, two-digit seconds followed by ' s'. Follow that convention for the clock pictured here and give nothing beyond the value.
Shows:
2 h 23 min 41 s
